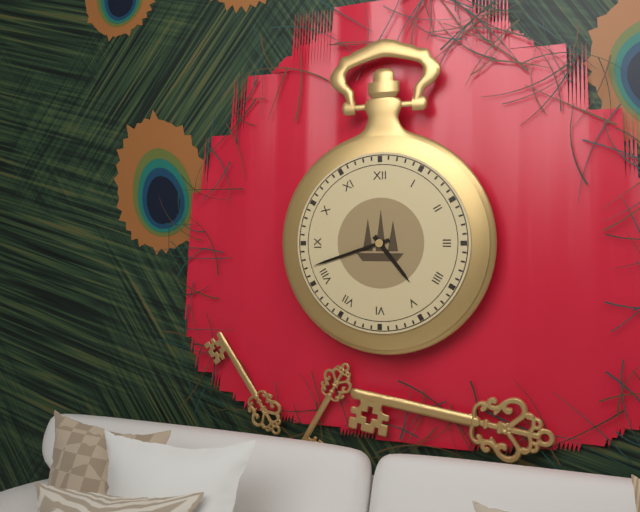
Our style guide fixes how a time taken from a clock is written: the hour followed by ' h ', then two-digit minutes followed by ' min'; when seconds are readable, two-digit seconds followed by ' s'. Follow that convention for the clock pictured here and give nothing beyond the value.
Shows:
4 h 42 min
